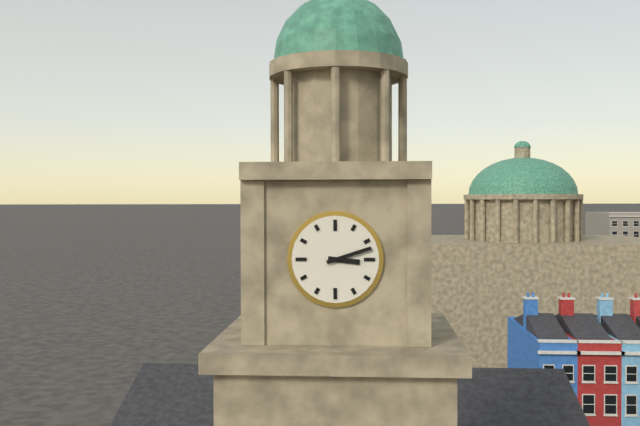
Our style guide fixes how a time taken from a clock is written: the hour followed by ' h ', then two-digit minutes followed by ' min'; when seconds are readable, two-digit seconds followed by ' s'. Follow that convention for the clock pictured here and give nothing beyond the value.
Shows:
3 h 12 min
